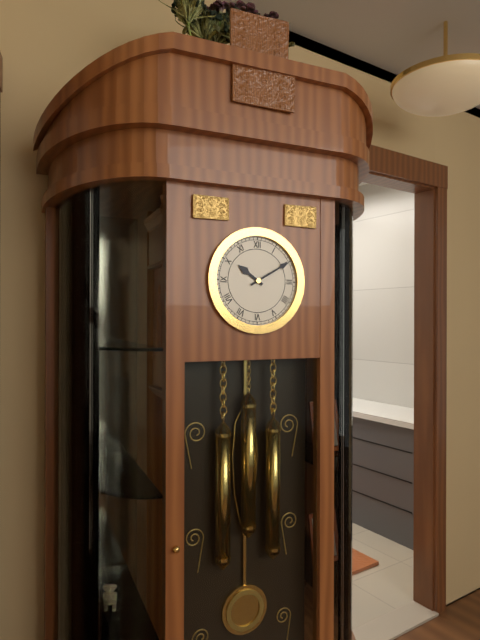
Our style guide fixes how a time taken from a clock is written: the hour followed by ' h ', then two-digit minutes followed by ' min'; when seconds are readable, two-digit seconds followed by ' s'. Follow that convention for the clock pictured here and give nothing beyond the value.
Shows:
10 h 10 min
